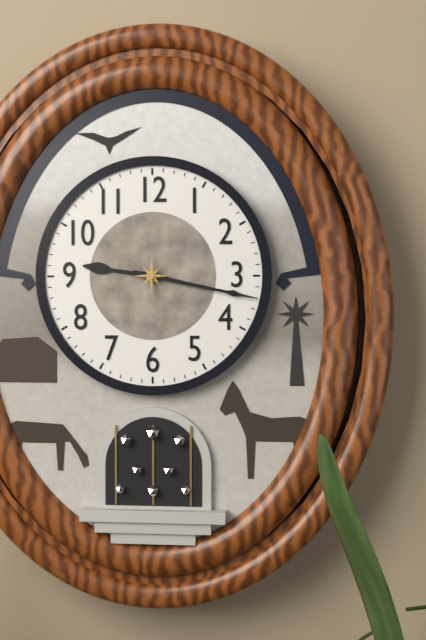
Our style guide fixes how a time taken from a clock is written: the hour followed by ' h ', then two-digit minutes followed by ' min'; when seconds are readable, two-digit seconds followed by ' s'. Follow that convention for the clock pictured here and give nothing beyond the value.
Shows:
9 h 17 min
